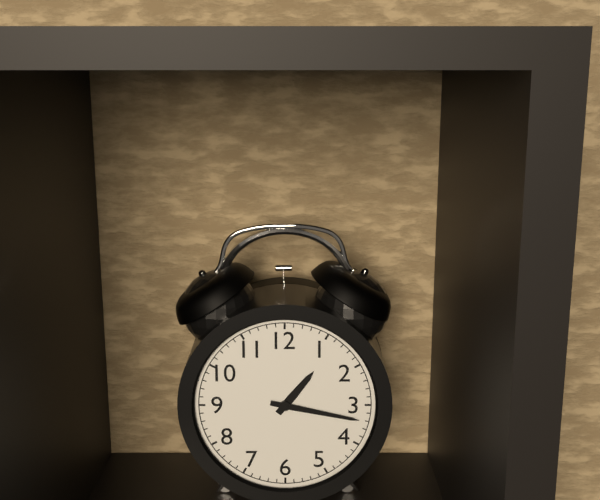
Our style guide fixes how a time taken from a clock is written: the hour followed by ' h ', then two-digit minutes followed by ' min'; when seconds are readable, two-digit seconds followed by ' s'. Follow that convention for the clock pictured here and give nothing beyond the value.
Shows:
1 h 17 min
